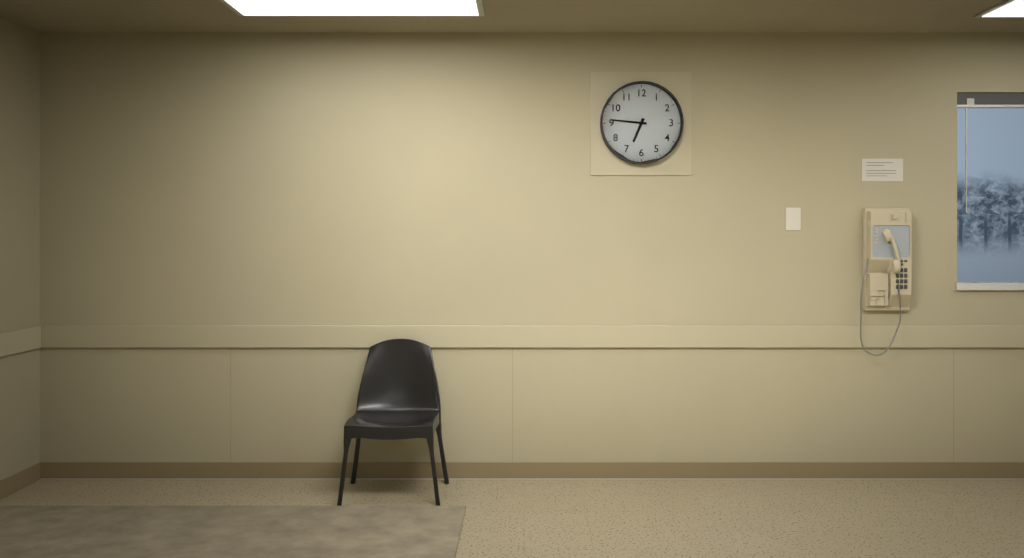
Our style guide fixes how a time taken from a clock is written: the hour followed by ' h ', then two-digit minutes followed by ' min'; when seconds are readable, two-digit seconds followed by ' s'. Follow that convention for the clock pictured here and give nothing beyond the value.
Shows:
6 h 46 min
